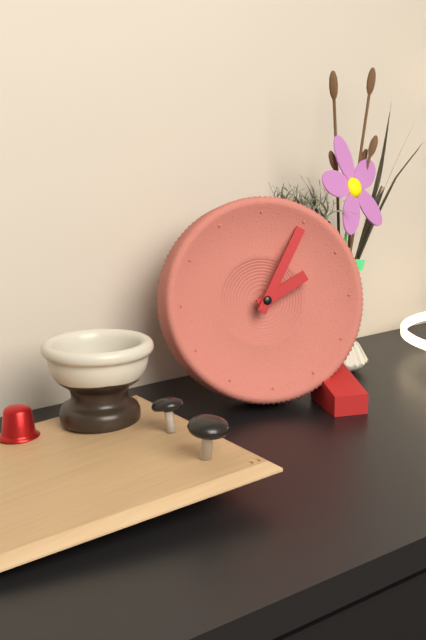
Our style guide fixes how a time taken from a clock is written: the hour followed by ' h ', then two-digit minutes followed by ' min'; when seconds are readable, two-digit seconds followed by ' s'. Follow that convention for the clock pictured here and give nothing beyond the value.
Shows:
2 h 05 min
